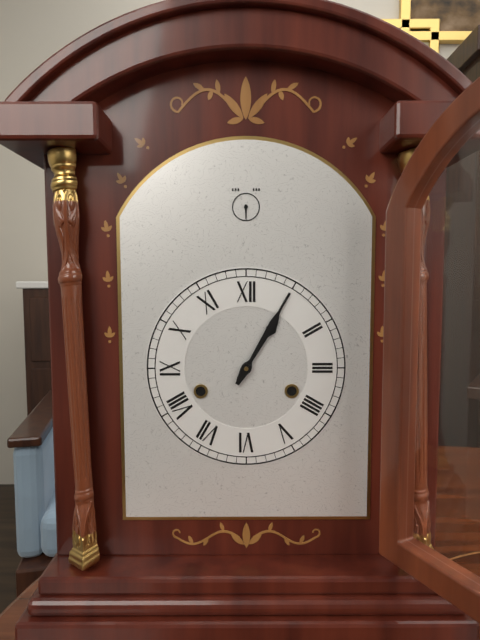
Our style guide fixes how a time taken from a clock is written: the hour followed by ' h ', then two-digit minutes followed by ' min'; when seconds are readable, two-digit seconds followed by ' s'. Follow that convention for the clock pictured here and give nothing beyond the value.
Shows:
1 h 05 min
